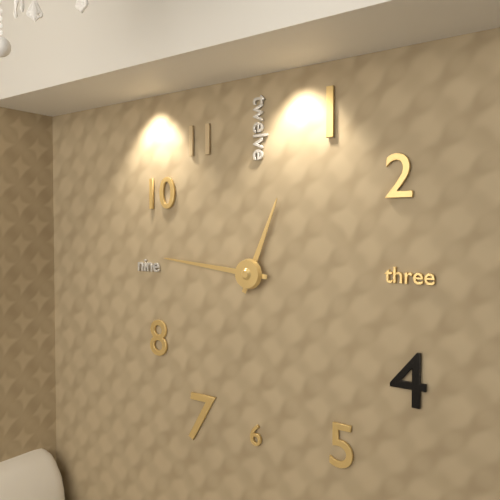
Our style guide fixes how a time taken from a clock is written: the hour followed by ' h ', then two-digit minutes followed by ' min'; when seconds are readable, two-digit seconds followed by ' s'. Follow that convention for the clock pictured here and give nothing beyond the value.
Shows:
12 h 46 min
